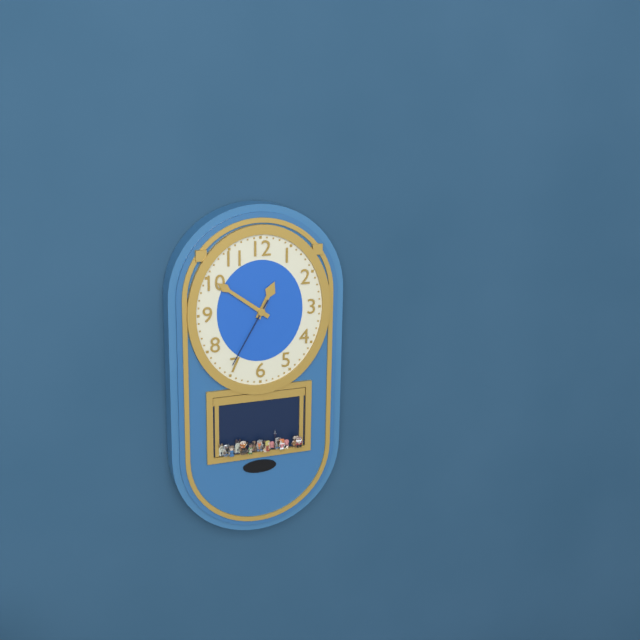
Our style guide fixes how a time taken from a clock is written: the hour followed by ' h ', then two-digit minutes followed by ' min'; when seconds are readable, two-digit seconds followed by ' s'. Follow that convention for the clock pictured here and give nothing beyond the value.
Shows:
12 h 51 min 35 s
